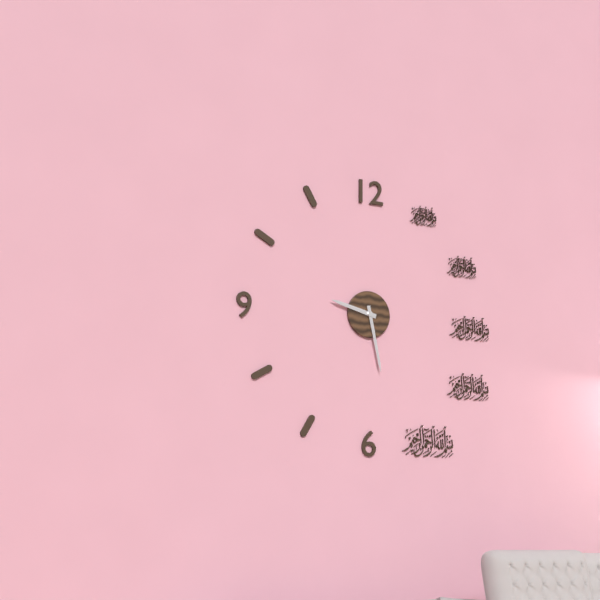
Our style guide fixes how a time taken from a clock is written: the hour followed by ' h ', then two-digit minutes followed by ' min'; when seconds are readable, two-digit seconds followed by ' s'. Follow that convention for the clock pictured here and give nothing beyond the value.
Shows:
9 h 28 min
